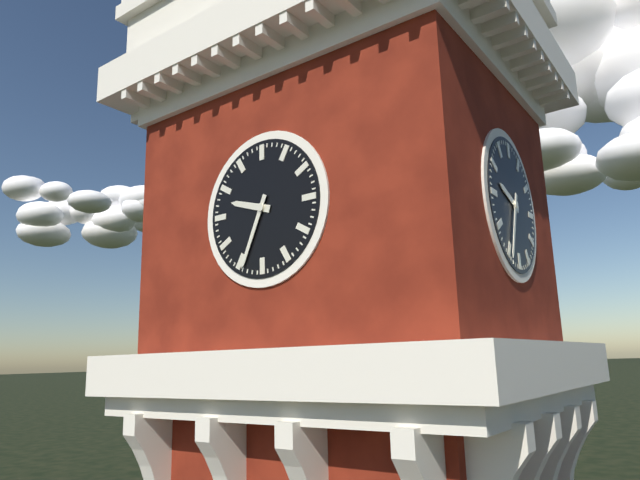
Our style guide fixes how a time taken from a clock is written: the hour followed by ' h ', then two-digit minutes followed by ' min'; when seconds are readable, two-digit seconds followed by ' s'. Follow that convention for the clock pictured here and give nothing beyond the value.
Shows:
9 h 34 min
